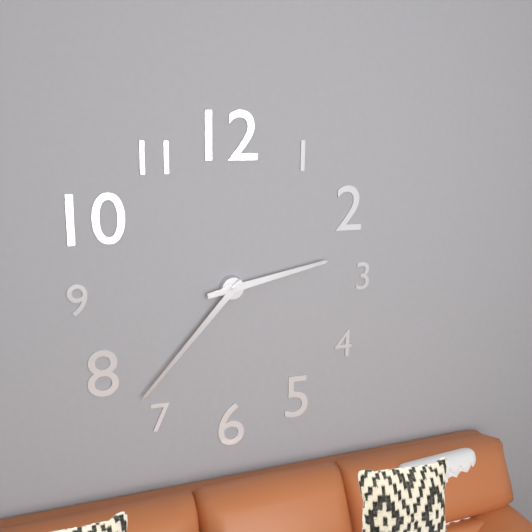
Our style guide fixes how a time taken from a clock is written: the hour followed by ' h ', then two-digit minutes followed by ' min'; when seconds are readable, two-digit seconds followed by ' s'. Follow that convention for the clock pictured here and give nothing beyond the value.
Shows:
2 h 37 min
